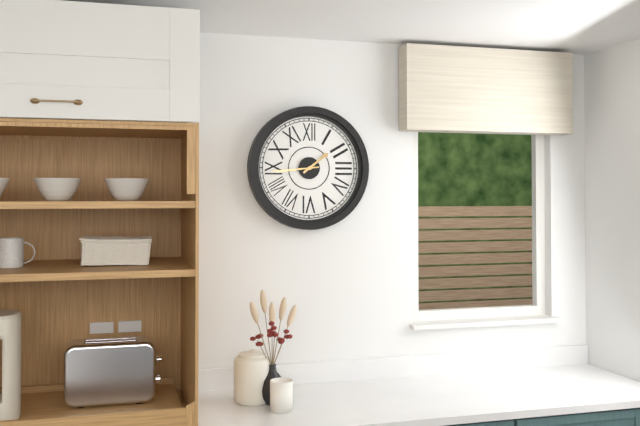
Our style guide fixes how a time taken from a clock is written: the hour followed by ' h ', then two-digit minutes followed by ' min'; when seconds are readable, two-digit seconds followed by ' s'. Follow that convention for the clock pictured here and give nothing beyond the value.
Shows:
1 h 44 min
